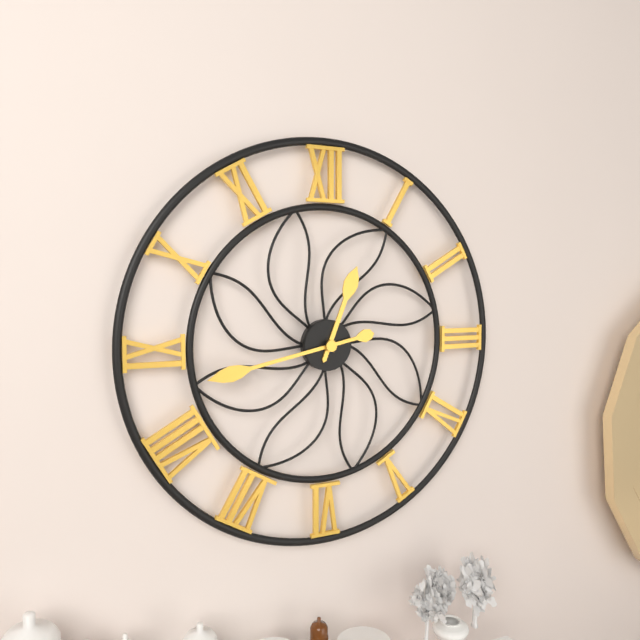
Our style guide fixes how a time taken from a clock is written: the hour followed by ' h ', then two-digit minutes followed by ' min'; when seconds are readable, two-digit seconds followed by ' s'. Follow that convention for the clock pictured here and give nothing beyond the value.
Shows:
12 h 43 min
